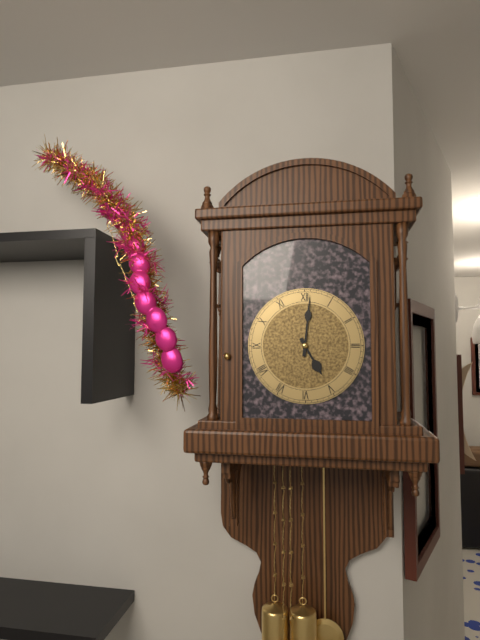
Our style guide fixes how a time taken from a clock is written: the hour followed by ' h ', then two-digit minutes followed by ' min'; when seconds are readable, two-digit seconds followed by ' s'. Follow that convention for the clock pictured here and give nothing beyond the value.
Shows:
5 h 01 min
